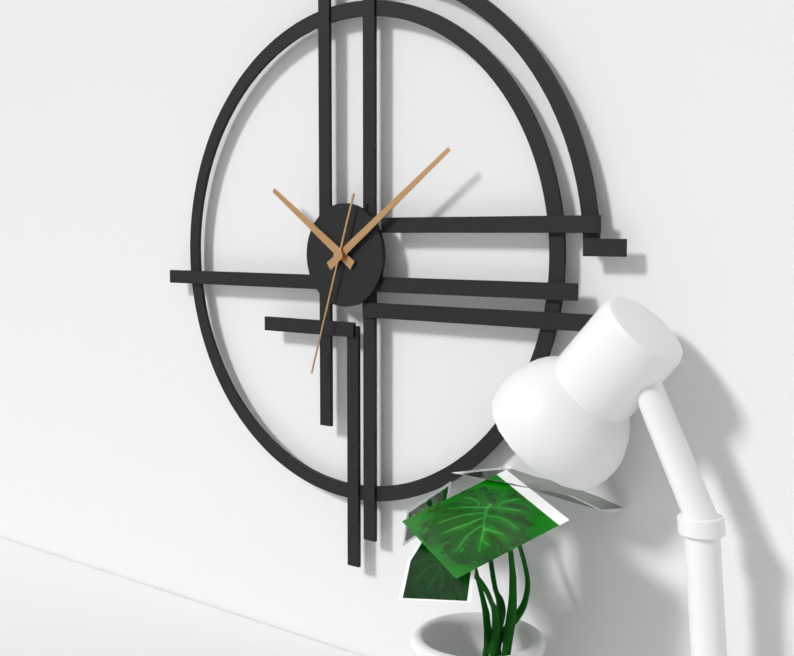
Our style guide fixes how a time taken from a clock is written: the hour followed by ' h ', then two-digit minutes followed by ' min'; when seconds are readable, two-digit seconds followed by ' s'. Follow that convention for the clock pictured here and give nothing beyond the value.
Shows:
10 h 09 min 33 s
